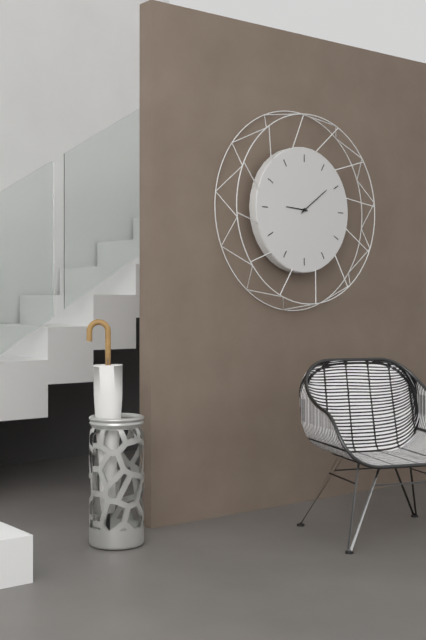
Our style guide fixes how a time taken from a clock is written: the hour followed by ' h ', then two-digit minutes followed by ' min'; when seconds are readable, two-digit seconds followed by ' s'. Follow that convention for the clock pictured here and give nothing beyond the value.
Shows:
9 h 09 min
